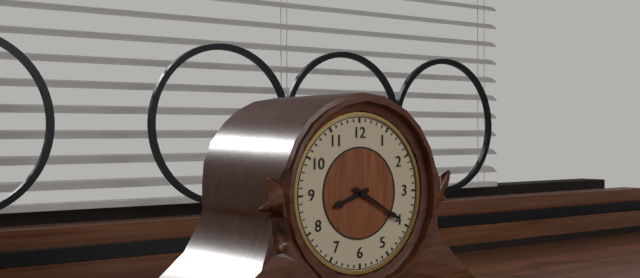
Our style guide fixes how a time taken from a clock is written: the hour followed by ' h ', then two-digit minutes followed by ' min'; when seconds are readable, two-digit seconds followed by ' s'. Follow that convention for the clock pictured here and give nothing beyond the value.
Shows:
8 h 20 min
